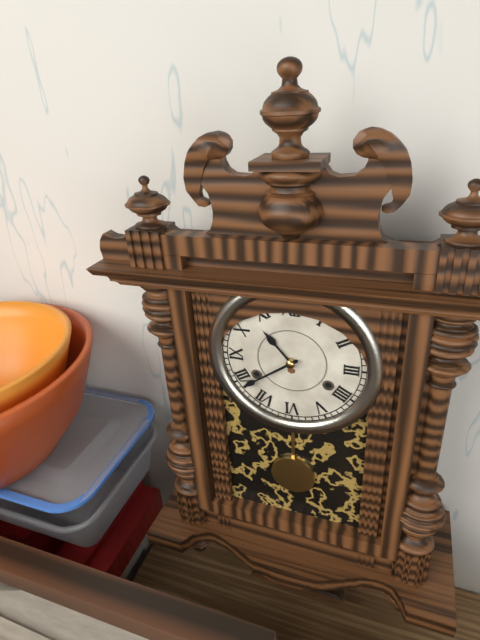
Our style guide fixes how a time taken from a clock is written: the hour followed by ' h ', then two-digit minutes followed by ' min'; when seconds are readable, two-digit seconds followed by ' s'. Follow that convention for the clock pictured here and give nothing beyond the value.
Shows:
10 h 39 min
